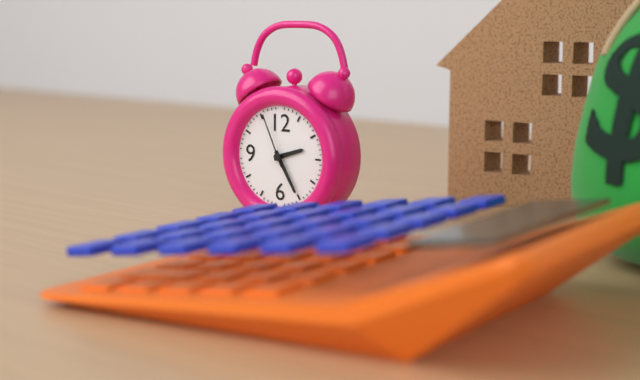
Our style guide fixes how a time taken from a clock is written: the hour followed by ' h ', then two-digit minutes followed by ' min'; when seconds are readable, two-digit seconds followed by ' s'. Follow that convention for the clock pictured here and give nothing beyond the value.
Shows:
2 h 25 min 56 s
